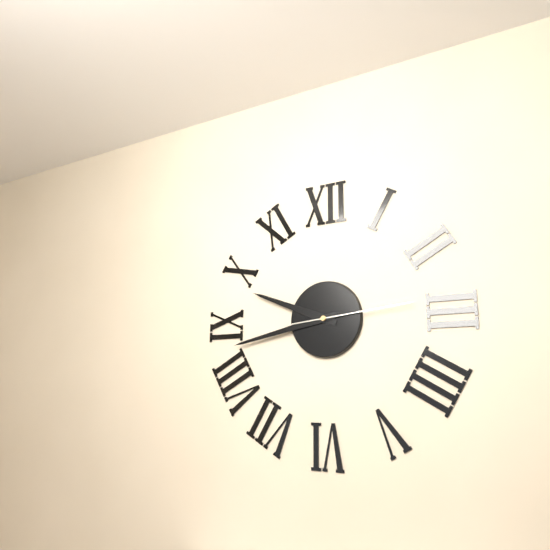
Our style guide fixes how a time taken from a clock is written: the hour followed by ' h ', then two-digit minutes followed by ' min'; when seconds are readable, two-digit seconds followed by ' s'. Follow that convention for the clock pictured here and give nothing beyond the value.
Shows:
9 h 43 min 14 s
